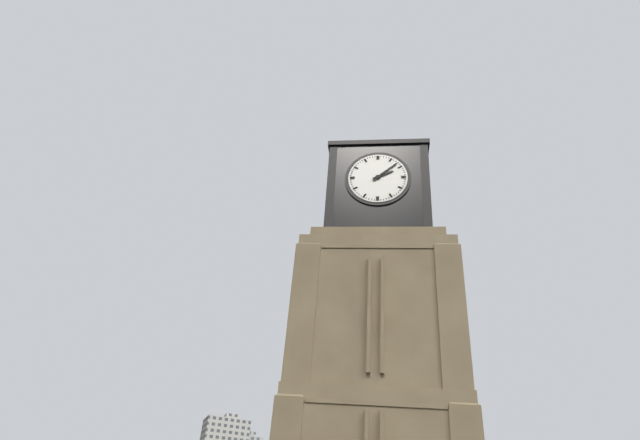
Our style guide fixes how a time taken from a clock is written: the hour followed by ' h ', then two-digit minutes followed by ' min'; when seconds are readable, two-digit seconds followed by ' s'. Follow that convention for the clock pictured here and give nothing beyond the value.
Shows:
2 h 08 min
